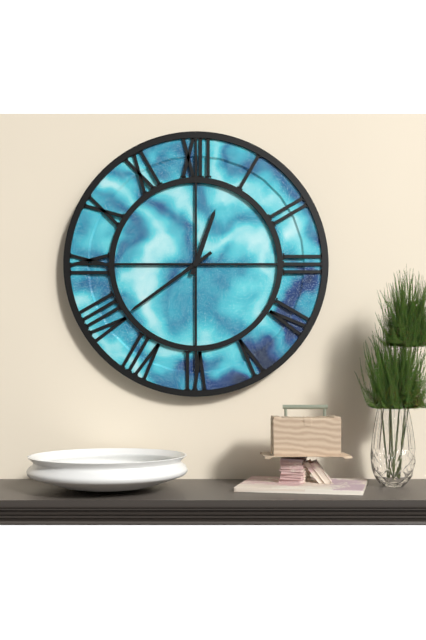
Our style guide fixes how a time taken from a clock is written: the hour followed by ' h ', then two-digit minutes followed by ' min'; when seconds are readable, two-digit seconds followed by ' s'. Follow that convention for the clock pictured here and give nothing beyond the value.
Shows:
12 h 39 min
